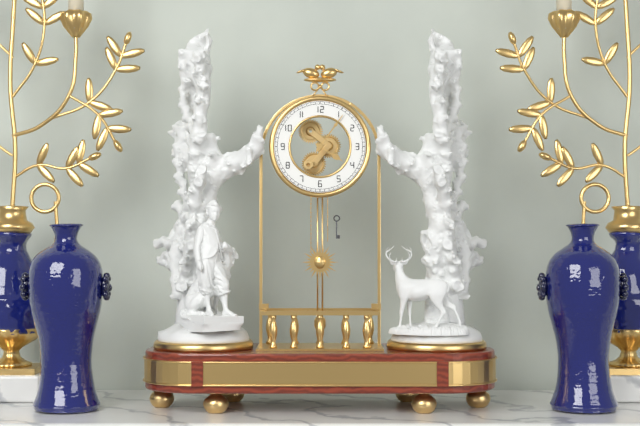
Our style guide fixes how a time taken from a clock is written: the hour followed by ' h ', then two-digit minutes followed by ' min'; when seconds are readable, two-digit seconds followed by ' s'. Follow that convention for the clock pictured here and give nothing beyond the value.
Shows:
4 h 06 min
